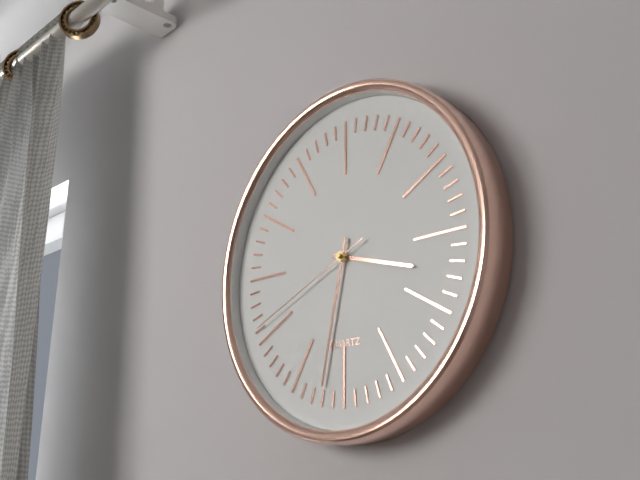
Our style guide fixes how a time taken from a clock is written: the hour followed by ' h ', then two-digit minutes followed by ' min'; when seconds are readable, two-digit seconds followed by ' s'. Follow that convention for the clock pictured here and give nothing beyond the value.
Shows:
3 h 32 min 41 s
